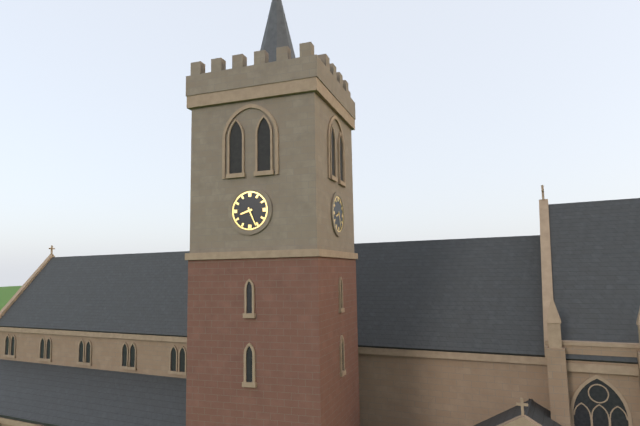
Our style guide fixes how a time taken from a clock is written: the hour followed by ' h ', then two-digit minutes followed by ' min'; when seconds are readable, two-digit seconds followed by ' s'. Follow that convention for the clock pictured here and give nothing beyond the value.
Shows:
8 h 26 min
